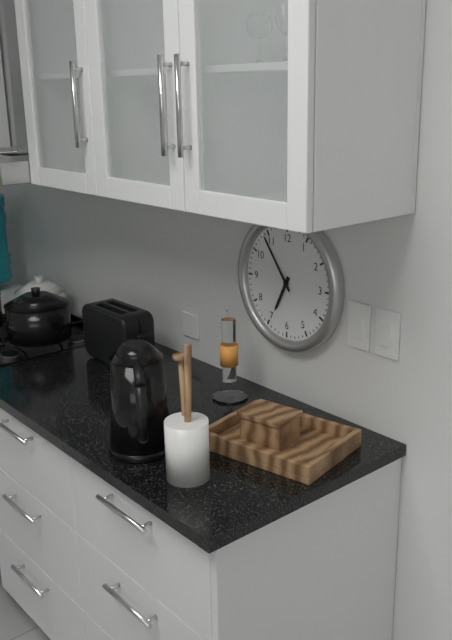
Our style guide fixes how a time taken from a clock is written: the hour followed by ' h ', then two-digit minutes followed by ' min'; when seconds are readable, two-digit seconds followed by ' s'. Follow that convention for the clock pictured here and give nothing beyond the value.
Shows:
6 h 54 min
